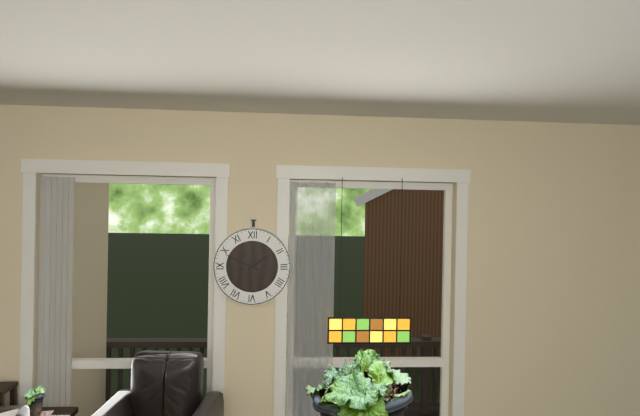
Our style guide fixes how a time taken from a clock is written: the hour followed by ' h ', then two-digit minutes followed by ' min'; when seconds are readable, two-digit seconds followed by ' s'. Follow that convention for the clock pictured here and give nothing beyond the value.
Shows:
1 h 49 min
